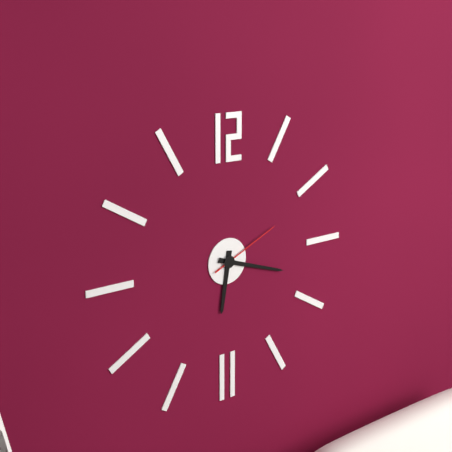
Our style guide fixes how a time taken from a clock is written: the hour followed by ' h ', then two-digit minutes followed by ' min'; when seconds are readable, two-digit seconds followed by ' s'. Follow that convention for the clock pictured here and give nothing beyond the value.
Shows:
6 h 18 min 11 s
